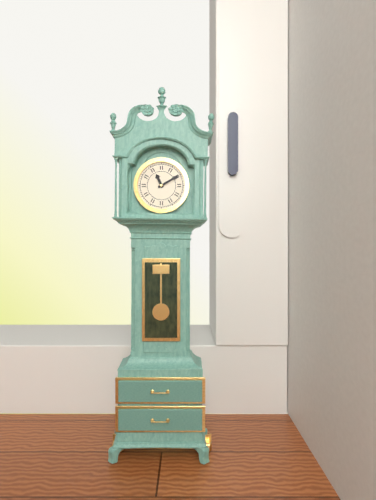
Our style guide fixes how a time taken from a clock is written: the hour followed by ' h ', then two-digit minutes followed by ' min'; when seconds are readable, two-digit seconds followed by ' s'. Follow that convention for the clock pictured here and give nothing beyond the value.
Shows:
11 h 10 min
